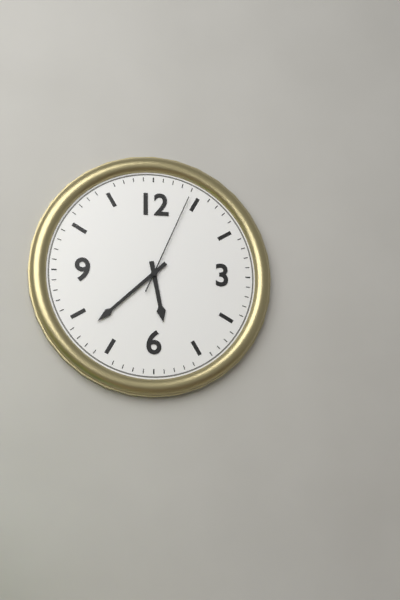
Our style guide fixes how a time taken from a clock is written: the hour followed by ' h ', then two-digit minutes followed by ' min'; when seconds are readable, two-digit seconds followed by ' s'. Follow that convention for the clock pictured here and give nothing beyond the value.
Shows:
5 h 38 min 04 s
